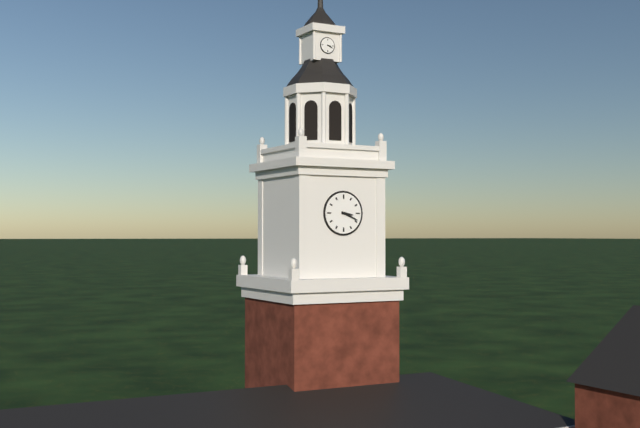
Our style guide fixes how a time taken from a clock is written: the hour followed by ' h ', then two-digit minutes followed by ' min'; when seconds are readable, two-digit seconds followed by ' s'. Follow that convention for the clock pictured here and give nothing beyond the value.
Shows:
3 h 19 min
